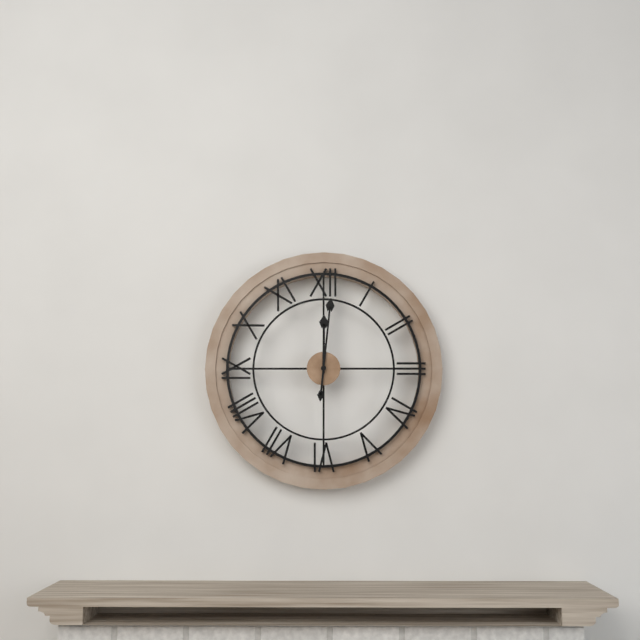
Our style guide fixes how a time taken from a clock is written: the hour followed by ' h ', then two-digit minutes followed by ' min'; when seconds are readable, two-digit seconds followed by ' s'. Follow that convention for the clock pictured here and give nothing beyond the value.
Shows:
12 h 01 min
